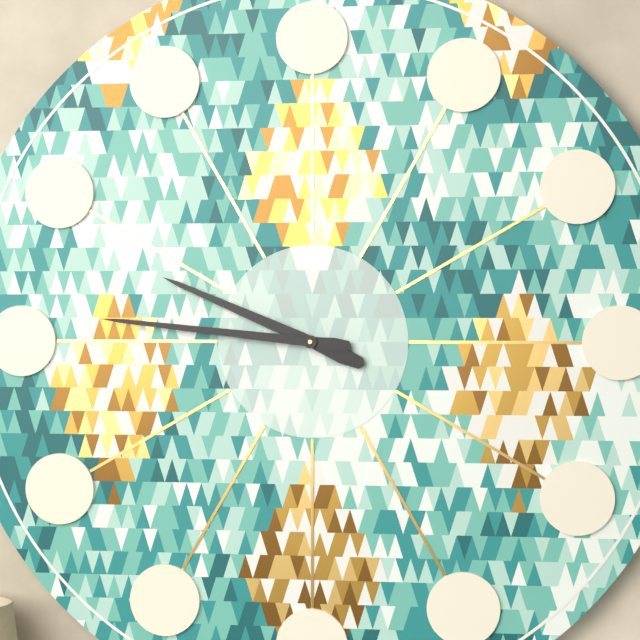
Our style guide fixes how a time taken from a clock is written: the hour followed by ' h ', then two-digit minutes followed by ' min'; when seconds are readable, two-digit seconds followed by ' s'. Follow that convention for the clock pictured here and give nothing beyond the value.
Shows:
9 h 46 min
